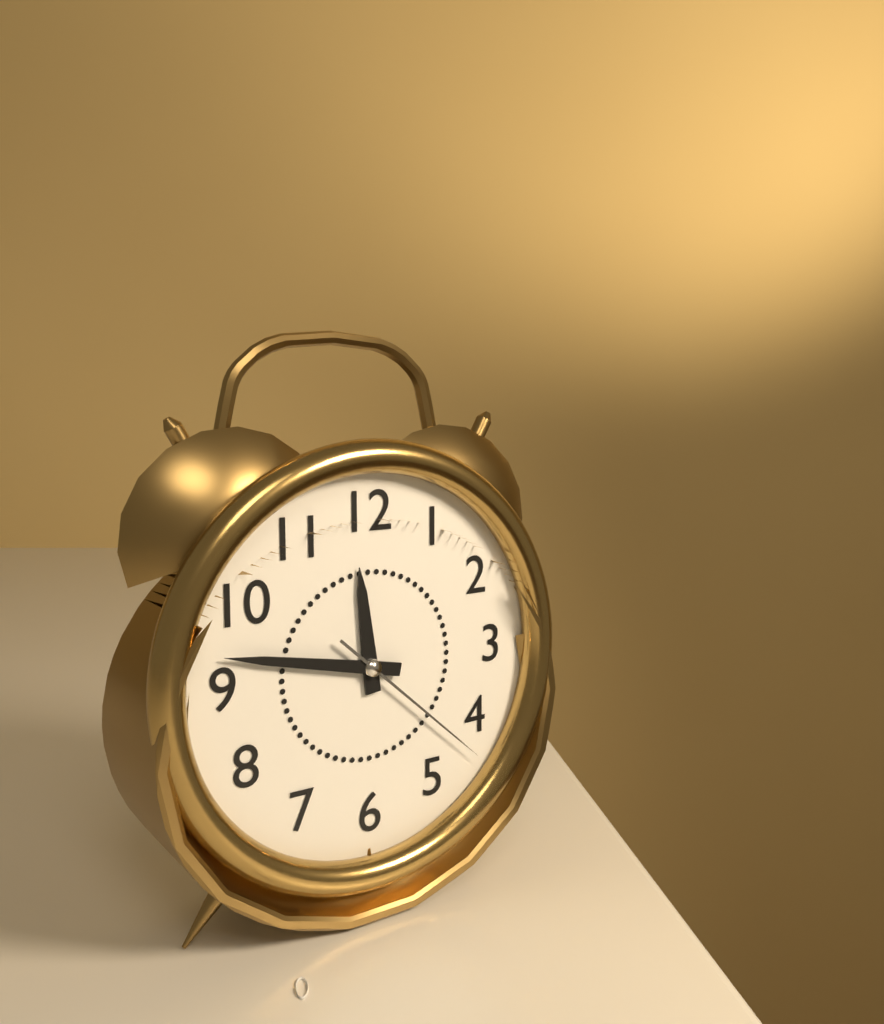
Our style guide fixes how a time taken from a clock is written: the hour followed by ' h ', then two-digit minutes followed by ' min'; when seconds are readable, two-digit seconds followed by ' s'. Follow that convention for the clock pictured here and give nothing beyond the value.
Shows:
11 h 47 min 22 s
